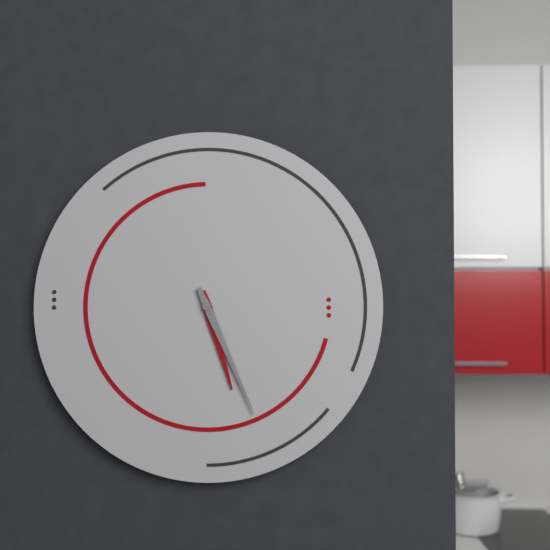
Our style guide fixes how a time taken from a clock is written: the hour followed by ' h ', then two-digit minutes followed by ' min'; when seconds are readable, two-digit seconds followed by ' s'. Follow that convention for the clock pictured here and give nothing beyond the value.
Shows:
5 h 26 min
